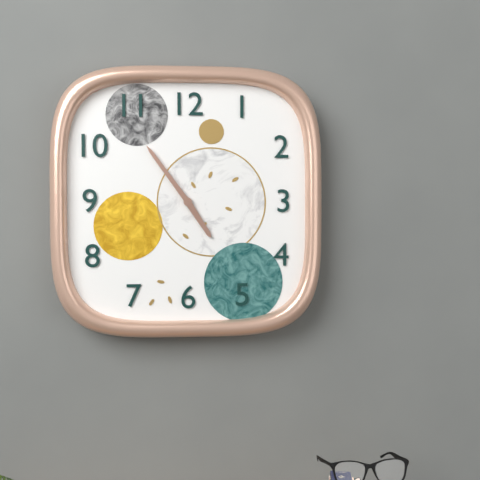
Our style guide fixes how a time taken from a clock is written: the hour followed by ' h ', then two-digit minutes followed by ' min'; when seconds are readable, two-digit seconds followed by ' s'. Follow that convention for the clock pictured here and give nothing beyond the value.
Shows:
4 h 54 min
